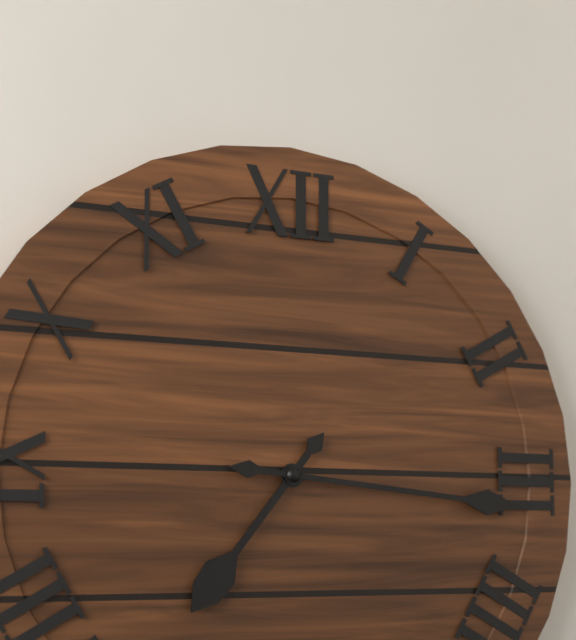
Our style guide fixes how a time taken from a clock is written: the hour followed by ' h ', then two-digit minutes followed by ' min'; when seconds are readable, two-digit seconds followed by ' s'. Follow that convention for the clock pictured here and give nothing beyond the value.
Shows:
7 h 16 min
